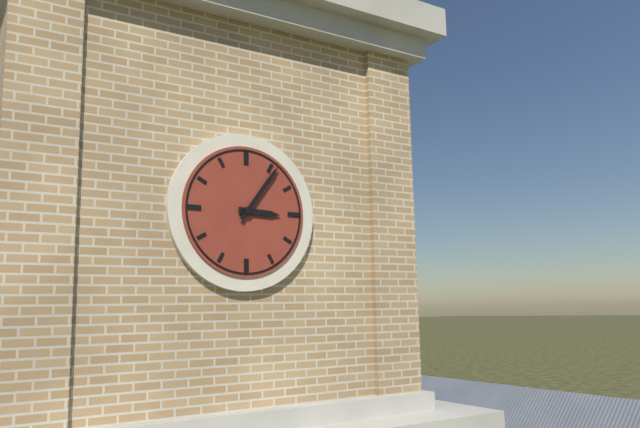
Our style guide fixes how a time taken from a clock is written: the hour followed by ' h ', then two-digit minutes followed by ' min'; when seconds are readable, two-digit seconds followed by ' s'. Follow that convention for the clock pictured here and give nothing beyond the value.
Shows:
3 h 06 min
